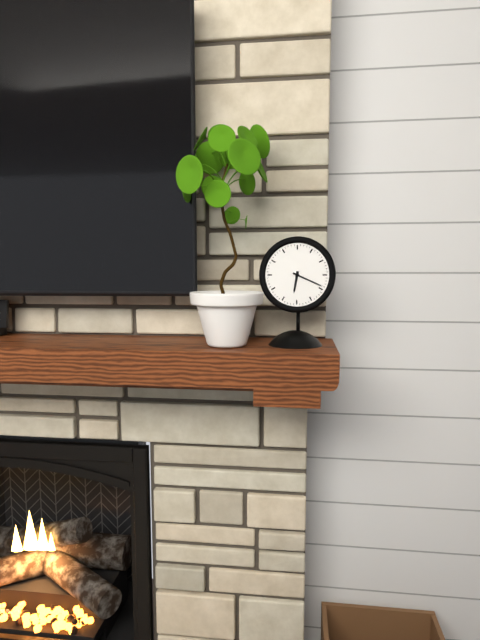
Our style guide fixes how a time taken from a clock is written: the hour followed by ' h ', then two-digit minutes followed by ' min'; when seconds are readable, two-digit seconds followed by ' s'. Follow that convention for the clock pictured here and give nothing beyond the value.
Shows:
6 h 19 min
